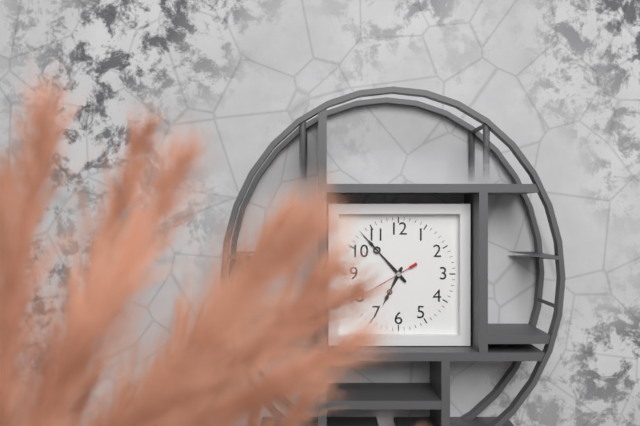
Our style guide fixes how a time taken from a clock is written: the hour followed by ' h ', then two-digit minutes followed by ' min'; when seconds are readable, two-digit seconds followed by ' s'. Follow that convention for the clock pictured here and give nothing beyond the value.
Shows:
6 h 53 min
